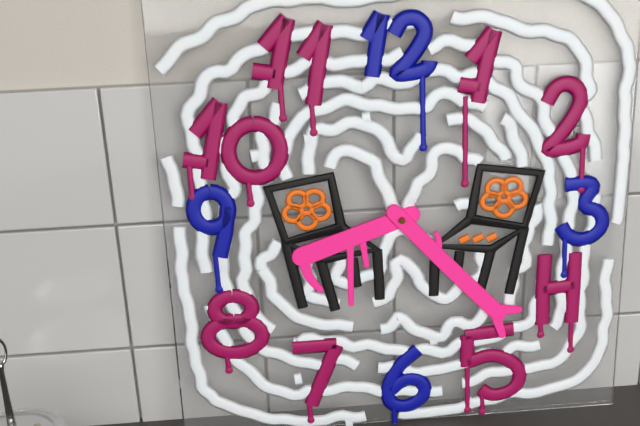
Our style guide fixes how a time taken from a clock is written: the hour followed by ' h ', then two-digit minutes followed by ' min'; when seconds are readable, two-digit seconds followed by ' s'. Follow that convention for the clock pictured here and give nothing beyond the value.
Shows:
8 h 23 min
